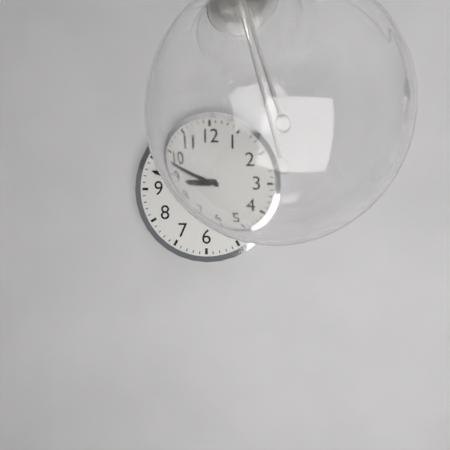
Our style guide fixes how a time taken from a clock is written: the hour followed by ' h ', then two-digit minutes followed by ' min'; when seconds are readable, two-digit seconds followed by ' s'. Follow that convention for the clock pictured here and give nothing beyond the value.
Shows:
8 h 48 min
